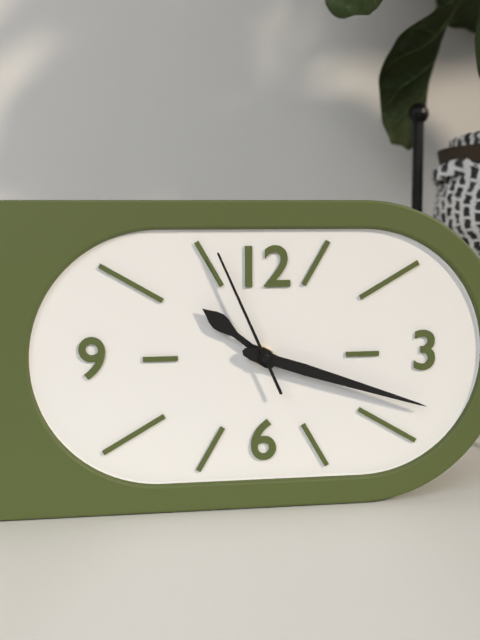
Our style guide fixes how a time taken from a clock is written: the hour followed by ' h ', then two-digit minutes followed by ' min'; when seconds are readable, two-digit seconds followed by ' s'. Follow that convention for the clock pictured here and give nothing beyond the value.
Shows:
10 h 18 min 56 s
